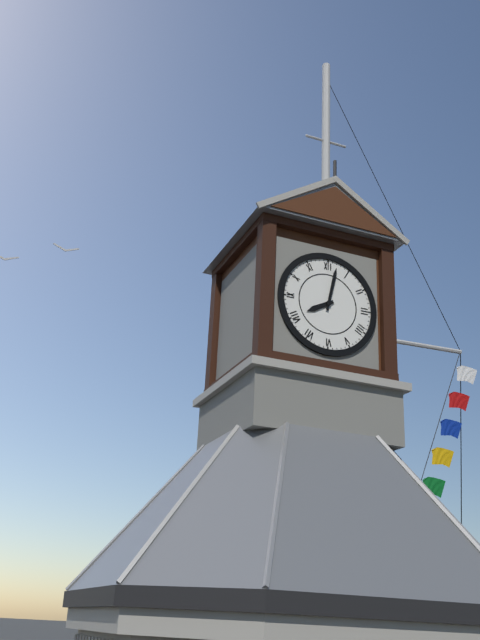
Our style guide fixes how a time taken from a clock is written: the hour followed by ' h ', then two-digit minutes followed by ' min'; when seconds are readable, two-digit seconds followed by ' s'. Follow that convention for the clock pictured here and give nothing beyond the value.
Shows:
8 h 02 min
